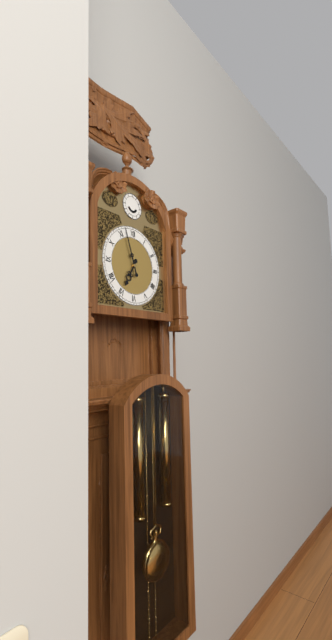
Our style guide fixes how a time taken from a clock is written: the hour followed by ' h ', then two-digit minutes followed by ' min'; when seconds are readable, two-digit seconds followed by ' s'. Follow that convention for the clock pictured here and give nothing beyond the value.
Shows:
6 h 57 min
